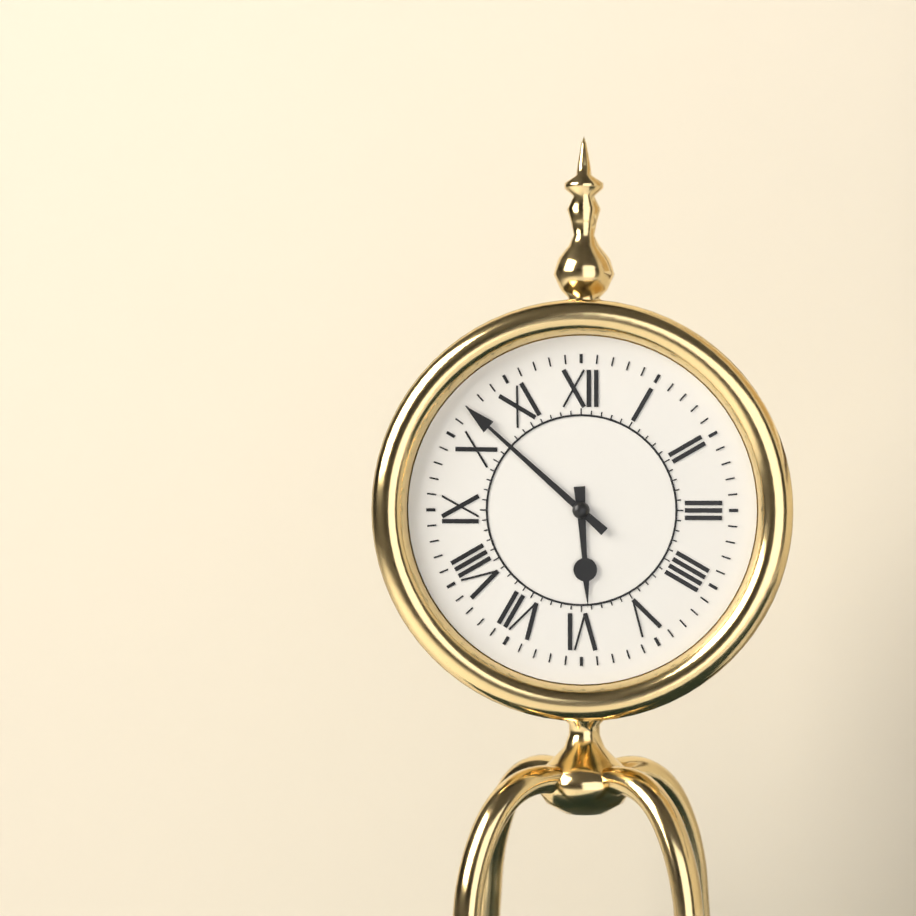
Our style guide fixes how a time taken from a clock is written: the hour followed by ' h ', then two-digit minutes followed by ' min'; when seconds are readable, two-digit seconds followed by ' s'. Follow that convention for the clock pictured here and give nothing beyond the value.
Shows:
5 h 52 min
